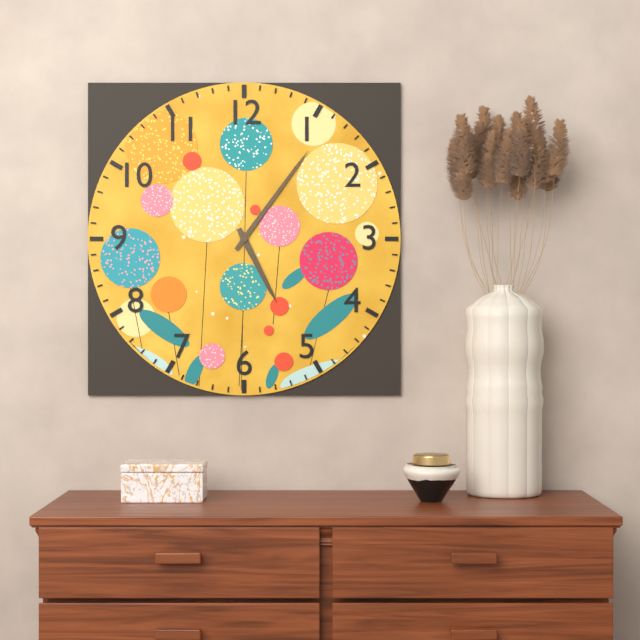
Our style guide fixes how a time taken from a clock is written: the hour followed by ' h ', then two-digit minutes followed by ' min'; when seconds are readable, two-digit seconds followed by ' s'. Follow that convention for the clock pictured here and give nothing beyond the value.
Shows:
5 h 06 min
